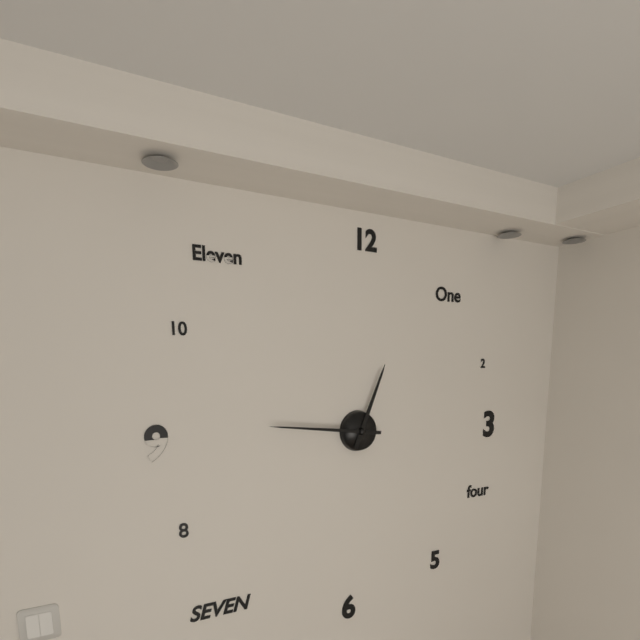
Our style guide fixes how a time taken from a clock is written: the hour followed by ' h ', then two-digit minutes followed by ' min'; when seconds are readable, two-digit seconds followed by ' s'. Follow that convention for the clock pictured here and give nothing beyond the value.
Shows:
12 h 46 min
